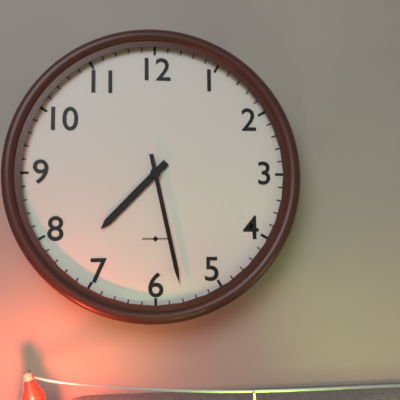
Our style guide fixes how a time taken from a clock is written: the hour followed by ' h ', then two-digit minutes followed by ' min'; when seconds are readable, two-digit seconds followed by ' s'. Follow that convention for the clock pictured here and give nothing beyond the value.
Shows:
7 h 28 min
